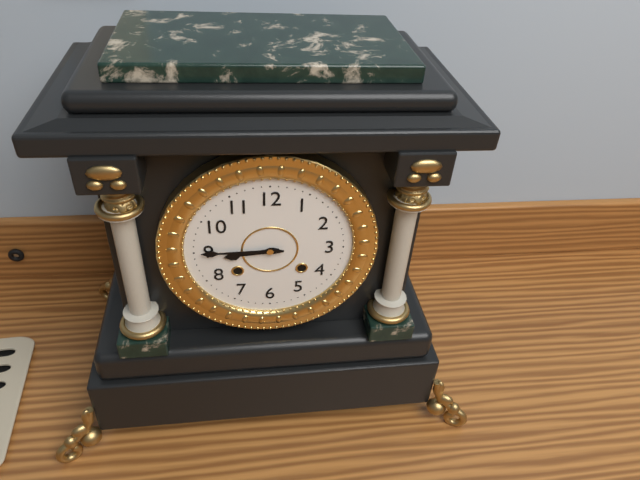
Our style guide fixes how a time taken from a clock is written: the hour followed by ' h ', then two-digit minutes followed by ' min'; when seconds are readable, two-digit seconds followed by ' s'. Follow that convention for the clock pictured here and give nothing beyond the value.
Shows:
8 h 45 min
